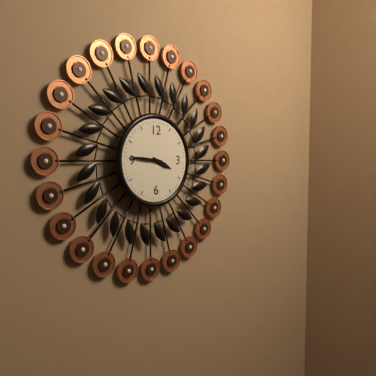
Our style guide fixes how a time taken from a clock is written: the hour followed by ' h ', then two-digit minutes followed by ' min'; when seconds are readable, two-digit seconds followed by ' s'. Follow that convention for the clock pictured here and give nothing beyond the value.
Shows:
3 h 46 min
